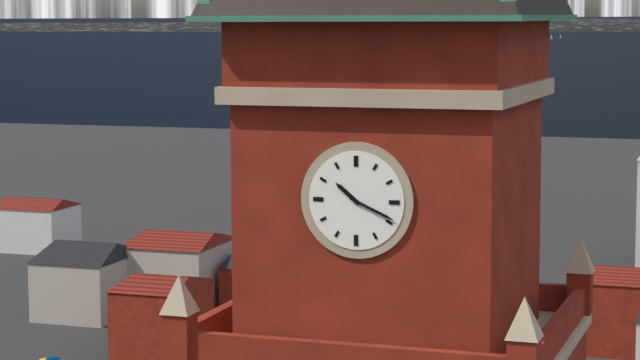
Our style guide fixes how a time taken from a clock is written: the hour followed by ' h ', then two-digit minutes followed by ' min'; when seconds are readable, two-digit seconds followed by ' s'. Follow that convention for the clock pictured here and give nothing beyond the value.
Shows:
10 h 19 min
